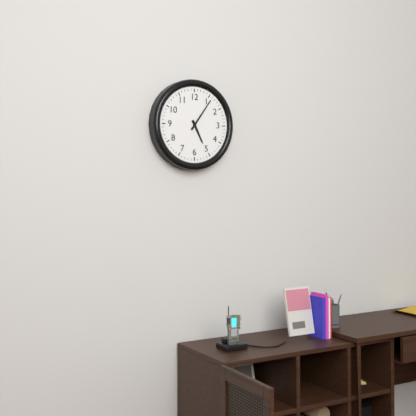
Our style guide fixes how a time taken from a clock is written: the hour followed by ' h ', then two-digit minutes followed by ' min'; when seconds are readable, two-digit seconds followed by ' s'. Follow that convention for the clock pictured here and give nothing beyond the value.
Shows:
5 h 06 min
